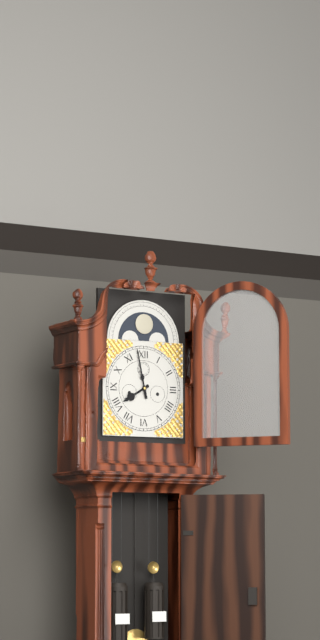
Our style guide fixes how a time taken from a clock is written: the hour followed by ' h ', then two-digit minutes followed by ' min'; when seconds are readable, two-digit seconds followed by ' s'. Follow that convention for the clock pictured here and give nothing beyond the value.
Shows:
7 h 58 min
